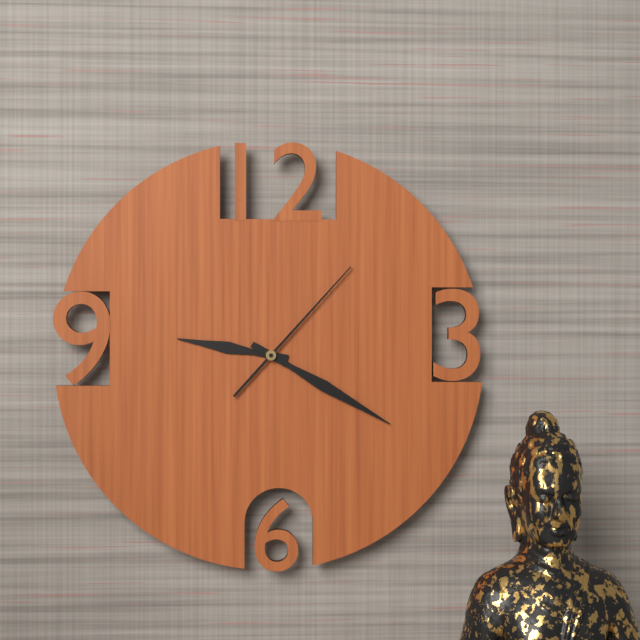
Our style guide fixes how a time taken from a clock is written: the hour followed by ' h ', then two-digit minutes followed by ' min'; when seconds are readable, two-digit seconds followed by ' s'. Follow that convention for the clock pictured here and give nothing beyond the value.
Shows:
9 h 20 min 07 s
